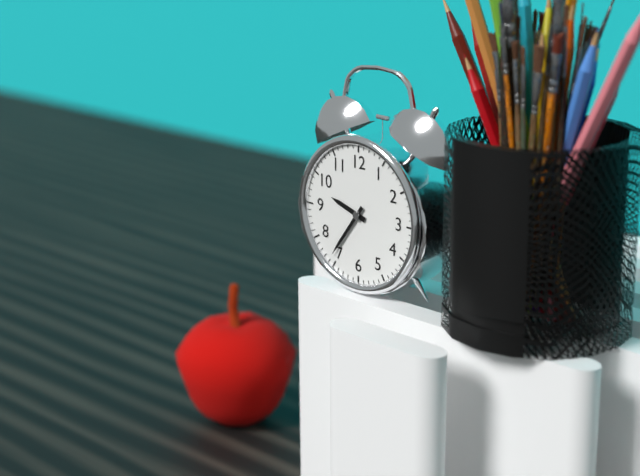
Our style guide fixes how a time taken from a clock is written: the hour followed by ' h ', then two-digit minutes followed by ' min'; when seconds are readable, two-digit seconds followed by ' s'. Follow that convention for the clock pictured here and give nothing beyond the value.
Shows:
9 h 36 min
